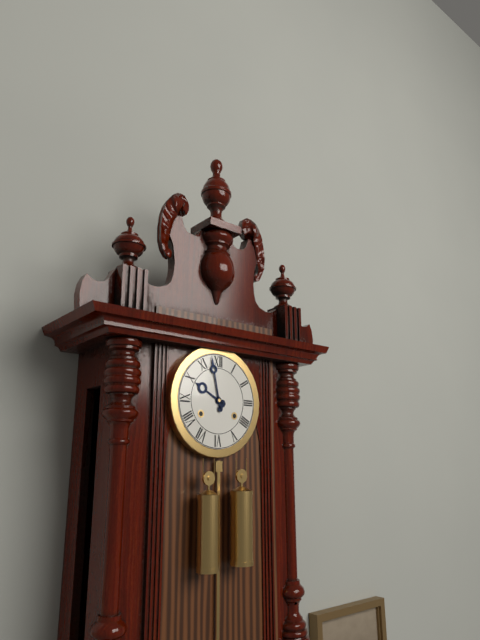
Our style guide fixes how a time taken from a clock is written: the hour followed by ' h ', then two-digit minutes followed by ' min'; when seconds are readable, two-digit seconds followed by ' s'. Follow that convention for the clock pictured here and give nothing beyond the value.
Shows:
9 h 58 min
